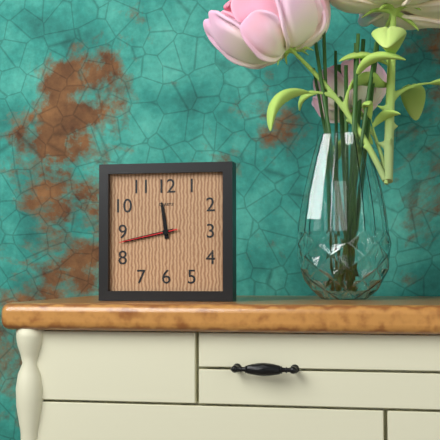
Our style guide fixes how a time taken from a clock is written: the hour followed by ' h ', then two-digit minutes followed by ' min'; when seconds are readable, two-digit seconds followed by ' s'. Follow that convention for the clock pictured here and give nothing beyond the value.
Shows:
11 h 43 min 43 s
